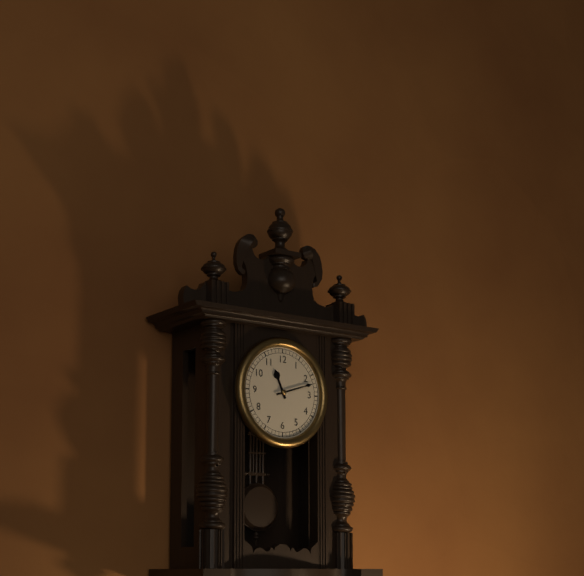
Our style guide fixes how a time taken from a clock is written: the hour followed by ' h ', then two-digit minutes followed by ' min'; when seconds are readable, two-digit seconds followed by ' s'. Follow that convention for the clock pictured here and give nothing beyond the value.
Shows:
11 h 12 min
